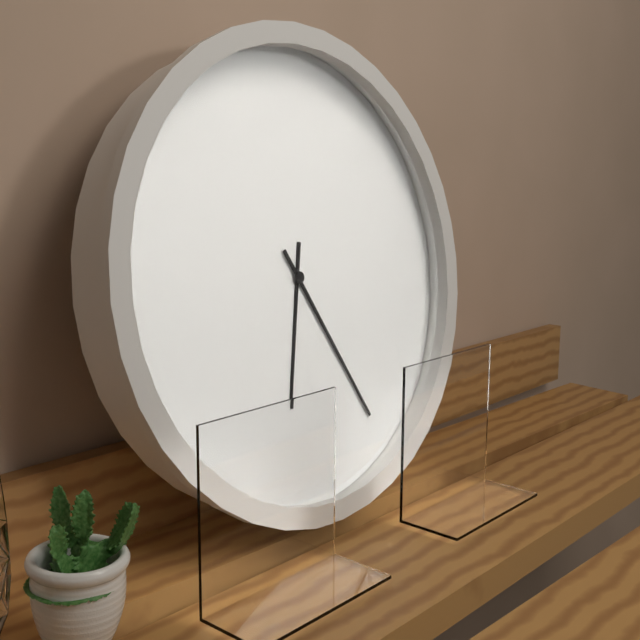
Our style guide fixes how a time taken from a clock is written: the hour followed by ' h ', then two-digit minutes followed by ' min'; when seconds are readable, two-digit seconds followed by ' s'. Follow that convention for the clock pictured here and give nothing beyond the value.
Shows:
6 h 25 min
